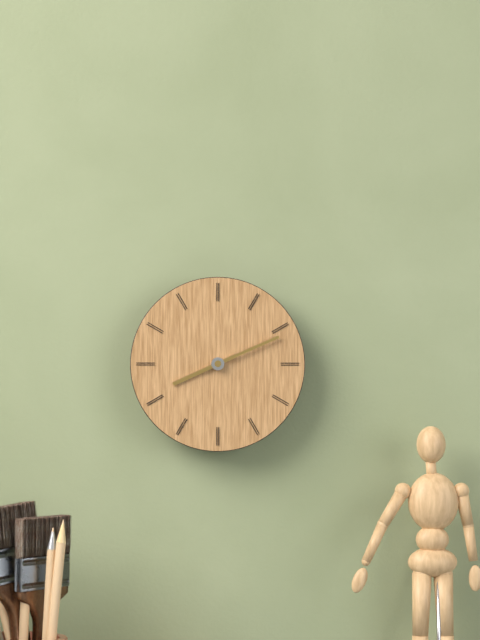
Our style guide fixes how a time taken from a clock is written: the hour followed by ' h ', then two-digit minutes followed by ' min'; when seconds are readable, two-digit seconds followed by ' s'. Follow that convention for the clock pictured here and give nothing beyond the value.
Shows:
8 h 11 min
